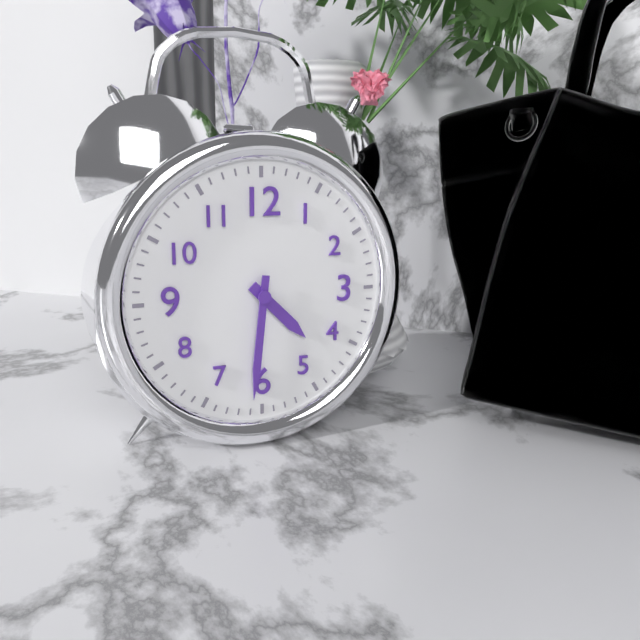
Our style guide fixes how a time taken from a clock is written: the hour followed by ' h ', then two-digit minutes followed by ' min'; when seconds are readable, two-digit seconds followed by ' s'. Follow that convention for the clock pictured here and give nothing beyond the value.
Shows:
4 h 31 min
